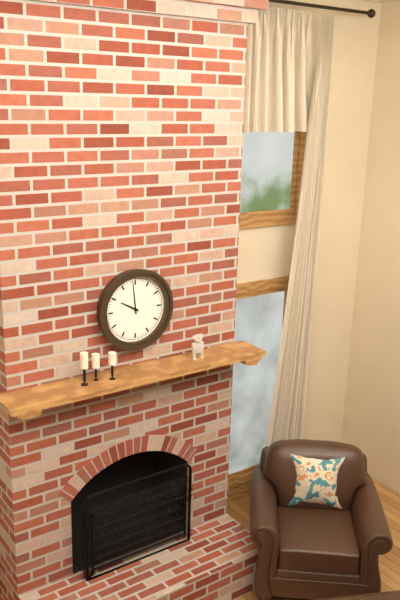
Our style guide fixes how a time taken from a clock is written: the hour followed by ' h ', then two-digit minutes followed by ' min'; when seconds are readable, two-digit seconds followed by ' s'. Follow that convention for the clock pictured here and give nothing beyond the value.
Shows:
9 h 59 min
